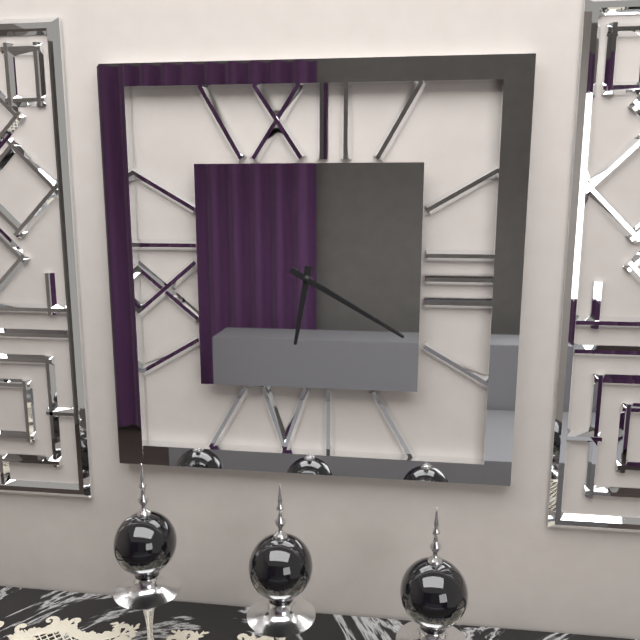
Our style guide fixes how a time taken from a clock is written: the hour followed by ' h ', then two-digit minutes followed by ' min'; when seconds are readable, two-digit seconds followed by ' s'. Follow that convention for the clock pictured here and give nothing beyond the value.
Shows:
6 h 20 min
